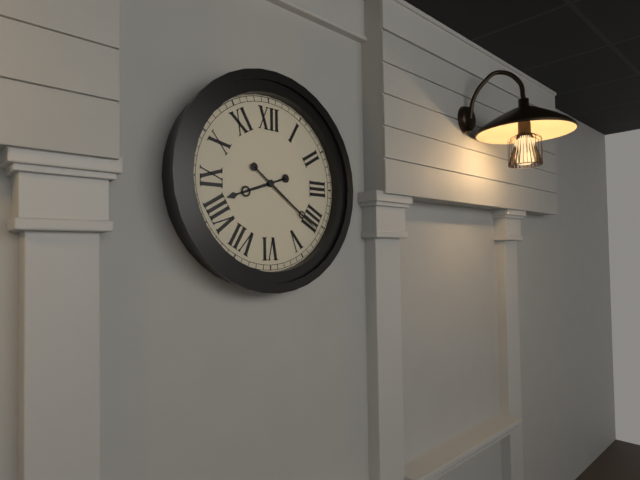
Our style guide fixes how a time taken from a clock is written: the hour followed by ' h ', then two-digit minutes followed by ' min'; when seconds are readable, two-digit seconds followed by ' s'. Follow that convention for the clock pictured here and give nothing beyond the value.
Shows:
8 h 21 min
